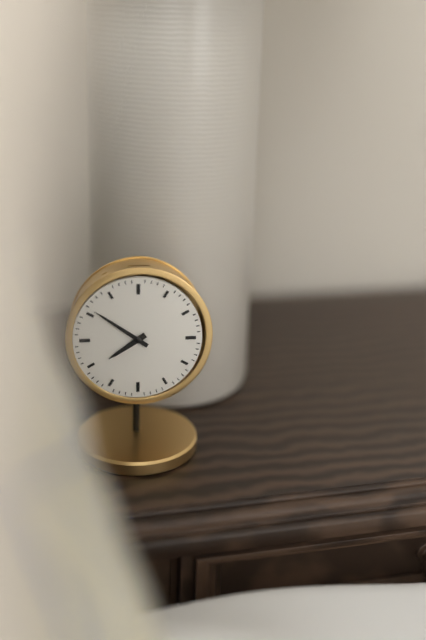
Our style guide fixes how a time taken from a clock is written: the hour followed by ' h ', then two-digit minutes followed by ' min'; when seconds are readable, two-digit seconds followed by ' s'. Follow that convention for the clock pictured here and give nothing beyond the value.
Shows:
7 h 51 min
